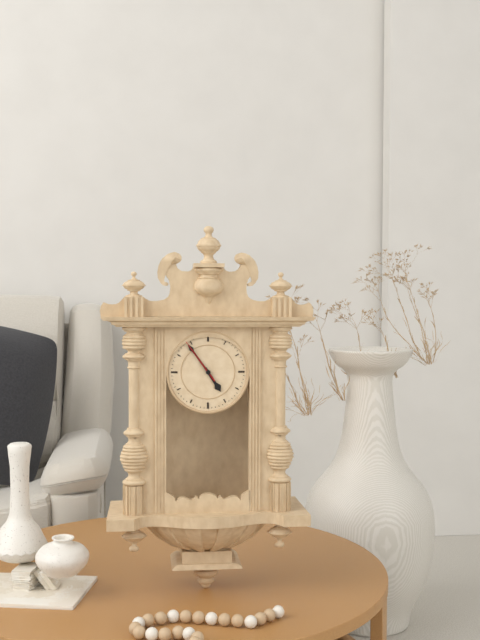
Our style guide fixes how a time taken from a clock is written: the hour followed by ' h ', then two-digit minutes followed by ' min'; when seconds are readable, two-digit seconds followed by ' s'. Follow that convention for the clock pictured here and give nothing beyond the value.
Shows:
4 h 54 min
